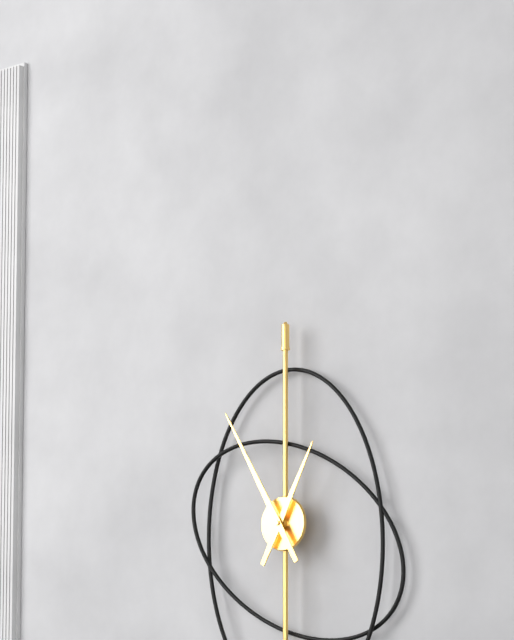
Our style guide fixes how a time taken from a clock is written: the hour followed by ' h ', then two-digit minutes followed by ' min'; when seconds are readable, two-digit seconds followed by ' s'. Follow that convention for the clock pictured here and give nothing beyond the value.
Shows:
12 h 55 min
